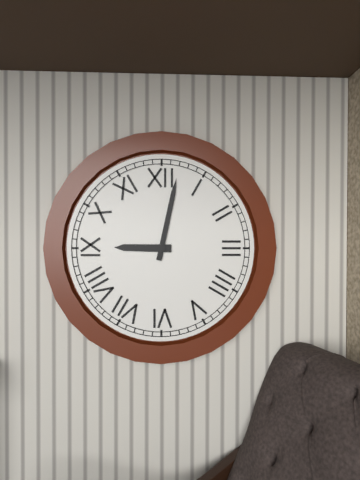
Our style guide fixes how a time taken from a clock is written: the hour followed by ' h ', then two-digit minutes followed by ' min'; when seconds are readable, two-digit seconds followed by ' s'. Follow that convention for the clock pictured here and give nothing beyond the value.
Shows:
9 h 02 min
